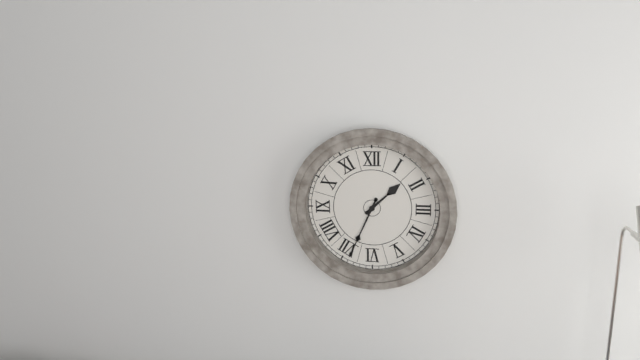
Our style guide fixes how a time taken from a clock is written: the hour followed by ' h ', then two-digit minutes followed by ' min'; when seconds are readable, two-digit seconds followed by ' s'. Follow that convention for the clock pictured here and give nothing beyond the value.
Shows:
1 h 34 min
